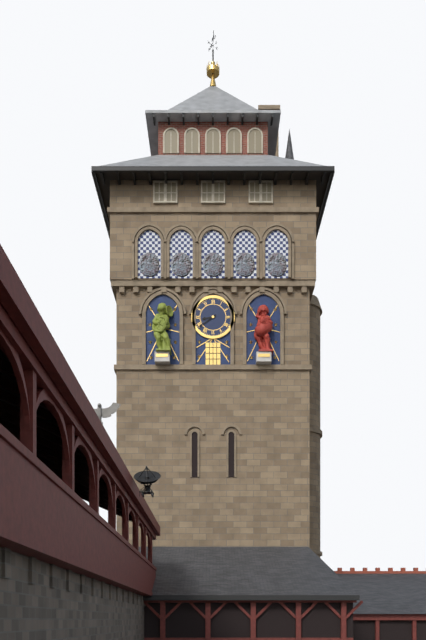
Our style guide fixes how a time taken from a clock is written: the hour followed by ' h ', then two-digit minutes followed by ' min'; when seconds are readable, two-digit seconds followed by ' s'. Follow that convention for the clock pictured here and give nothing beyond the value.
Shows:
8 h 39 min
